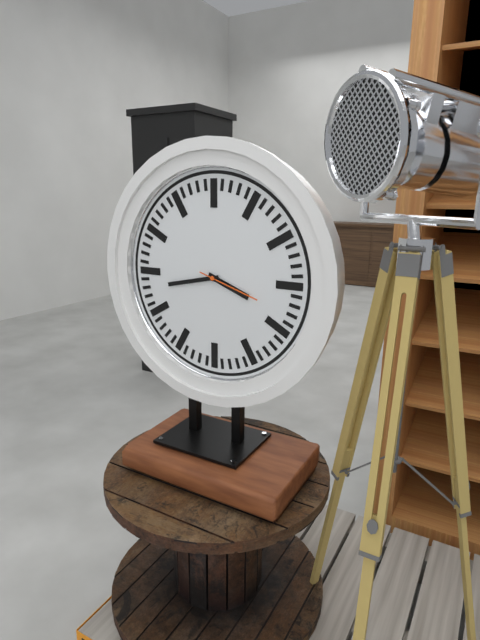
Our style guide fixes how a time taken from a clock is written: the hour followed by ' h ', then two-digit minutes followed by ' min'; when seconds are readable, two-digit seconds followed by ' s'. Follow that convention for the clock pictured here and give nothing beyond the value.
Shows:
3 h 43 min 18 s
